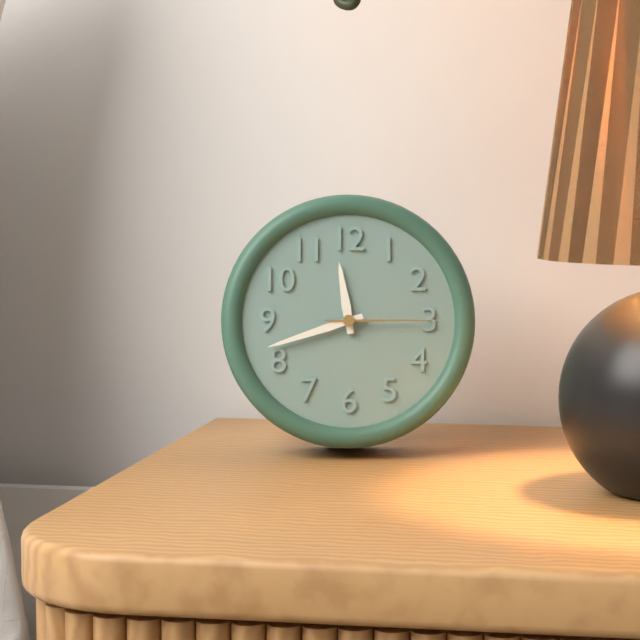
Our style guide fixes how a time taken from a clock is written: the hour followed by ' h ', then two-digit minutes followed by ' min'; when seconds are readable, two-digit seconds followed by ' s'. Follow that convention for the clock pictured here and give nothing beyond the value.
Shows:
11 h 42 min 15 s
